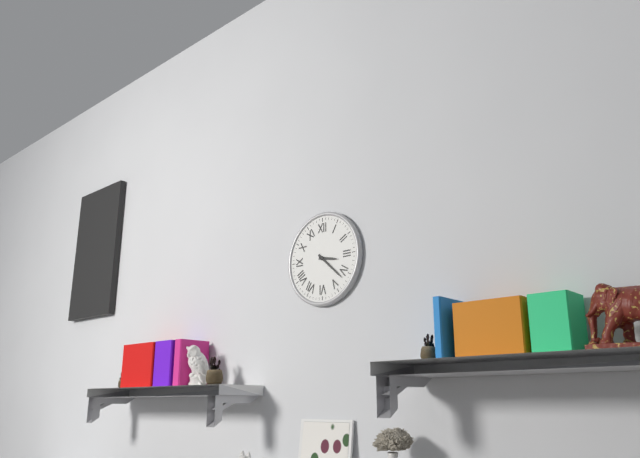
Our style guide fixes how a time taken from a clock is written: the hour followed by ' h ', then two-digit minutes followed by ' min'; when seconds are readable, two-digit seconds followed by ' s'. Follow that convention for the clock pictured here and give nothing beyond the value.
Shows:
3 h 22 min
